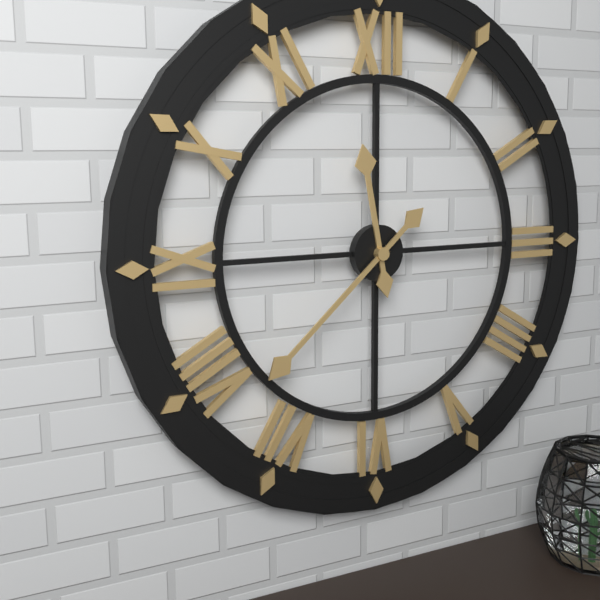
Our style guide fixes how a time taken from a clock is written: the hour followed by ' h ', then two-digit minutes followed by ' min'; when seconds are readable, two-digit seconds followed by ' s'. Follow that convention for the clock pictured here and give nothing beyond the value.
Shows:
11 h 38 min
